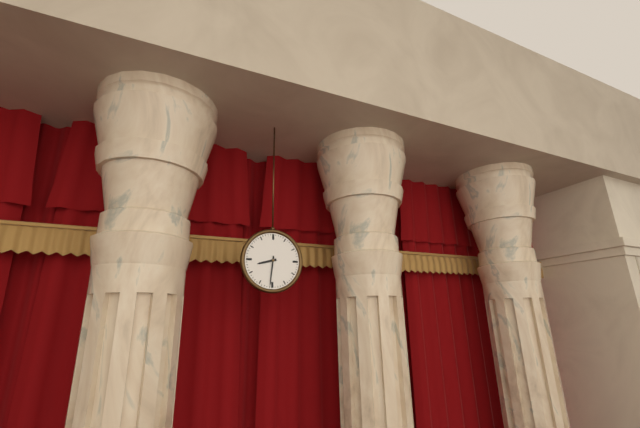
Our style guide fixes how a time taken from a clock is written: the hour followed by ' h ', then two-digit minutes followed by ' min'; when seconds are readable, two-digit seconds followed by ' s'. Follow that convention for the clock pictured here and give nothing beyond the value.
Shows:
8 h 31 min
